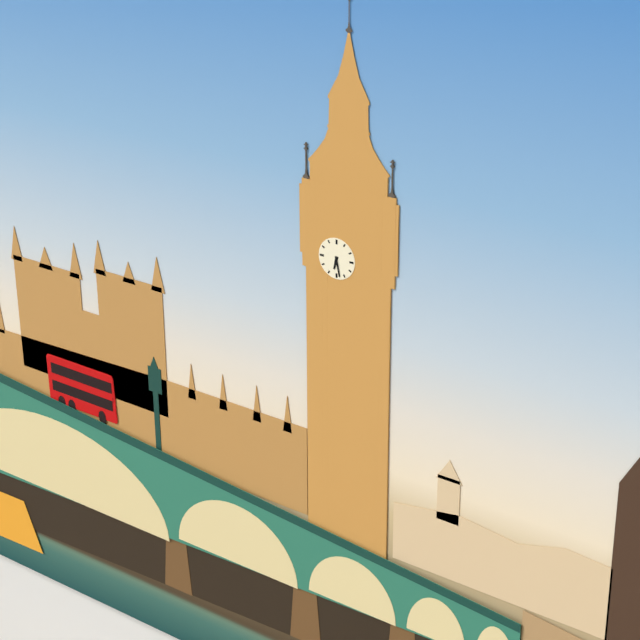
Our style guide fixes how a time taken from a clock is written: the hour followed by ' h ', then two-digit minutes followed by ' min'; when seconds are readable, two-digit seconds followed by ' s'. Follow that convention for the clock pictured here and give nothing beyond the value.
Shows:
6 h 28 min
